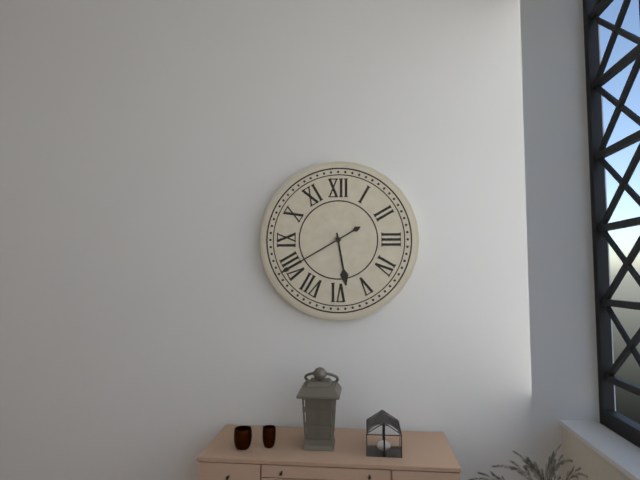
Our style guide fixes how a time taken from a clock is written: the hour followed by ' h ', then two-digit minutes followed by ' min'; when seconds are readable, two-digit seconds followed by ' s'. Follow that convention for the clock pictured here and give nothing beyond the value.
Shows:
5 h 40 min
